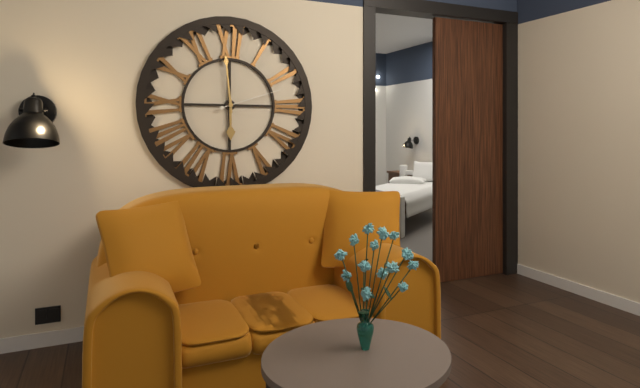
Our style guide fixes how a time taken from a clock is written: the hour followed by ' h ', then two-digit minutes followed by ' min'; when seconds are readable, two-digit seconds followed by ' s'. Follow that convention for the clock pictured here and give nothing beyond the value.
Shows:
5 h 59 min 12 s
